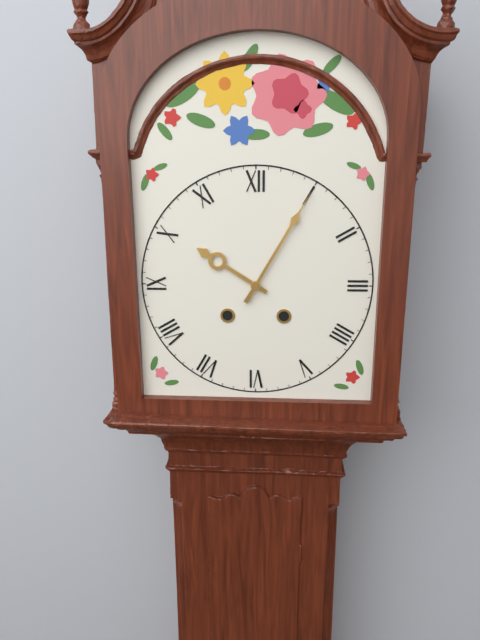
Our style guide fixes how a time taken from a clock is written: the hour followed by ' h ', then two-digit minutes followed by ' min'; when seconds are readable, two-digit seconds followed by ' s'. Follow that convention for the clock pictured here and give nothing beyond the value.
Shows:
10 h 05 min
